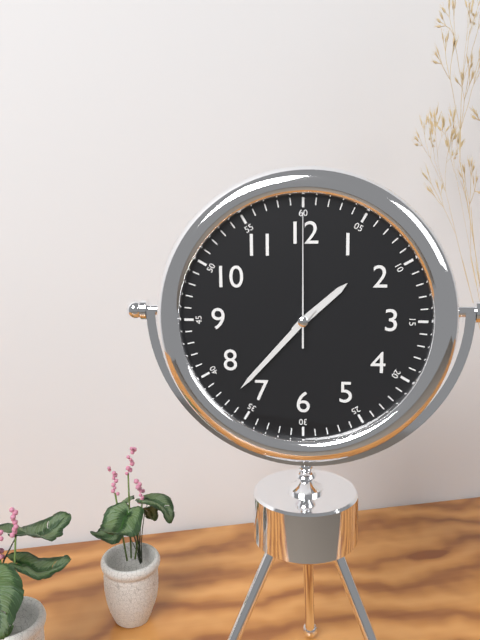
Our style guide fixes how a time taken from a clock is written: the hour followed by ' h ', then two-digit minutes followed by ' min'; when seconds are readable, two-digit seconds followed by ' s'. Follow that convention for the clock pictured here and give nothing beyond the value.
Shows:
1 h 37 min 00 s
